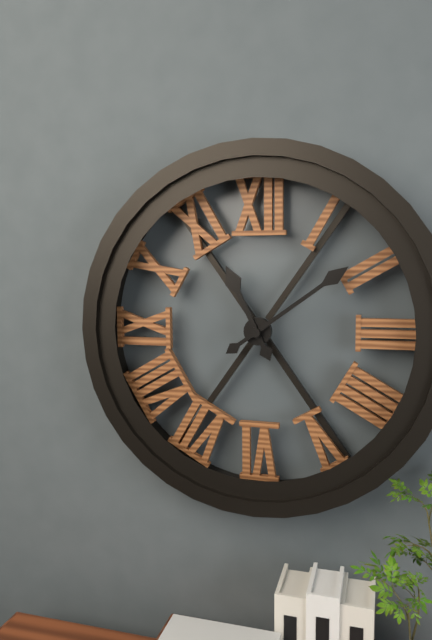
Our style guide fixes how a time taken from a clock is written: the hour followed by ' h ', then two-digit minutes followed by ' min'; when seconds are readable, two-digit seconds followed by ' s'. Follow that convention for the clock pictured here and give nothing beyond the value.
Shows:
11 h 09 min
